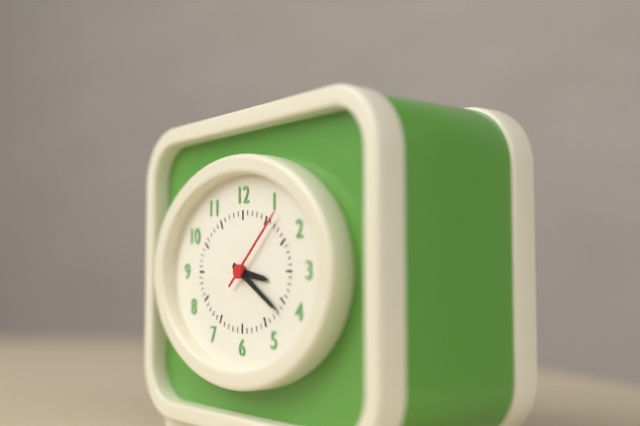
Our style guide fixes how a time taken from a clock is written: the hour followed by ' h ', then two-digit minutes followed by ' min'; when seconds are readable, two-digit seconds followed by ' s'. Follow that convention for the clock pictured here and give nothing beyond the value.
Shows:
3 h 20 min 08 s
